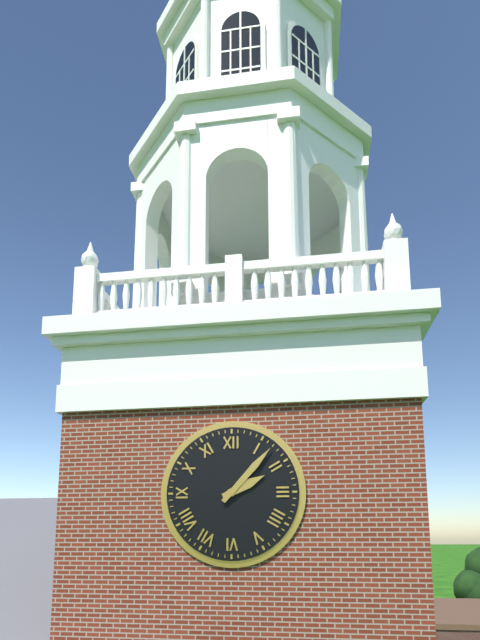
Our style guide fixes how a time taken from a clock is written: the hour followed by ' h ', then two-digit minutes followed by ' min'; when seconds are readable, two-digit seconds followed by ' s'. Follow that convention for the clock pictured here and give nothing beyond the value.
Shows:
2 h 07 min
